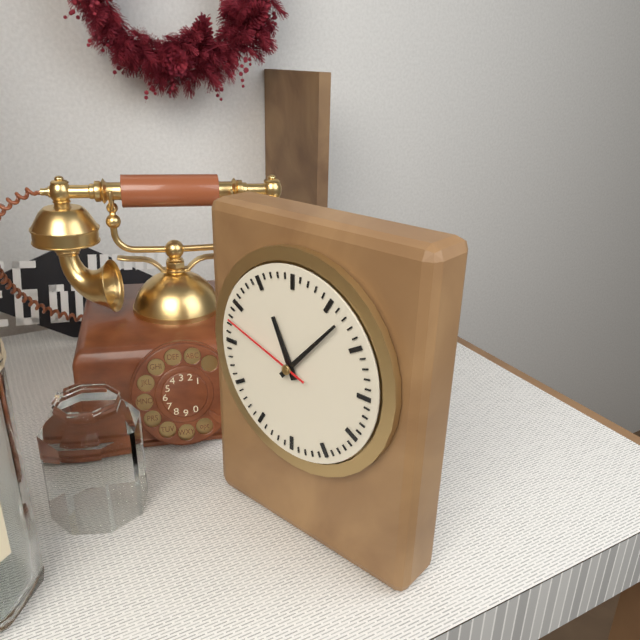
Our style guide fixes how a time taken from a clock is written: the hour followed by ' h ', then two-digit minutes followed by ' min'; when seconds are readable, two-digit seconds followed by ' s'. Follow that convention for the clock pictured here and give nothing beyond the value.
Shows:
11 h 07 min 48 s
